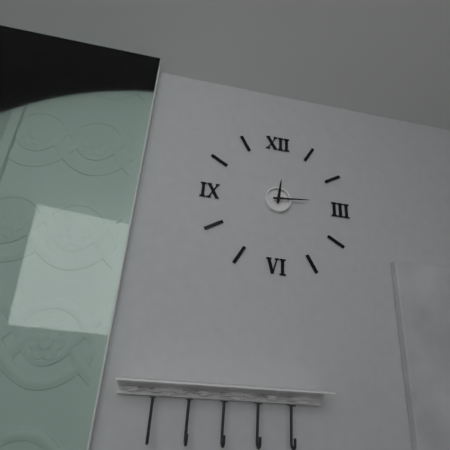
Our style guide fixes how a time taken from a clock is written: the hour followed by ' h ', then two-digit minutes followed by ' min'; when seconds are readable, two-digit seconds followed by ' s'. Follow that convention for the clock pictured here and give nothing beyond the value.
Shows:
12 h 14 min
